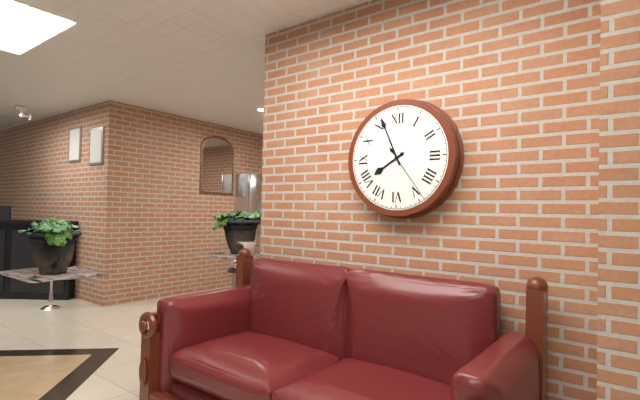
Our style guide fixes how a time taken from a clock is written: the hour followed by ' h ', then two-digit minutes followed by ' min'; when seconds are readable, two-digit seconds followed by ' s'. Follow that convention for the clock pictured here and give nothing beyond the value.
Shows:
7 h 56 min 24 s
